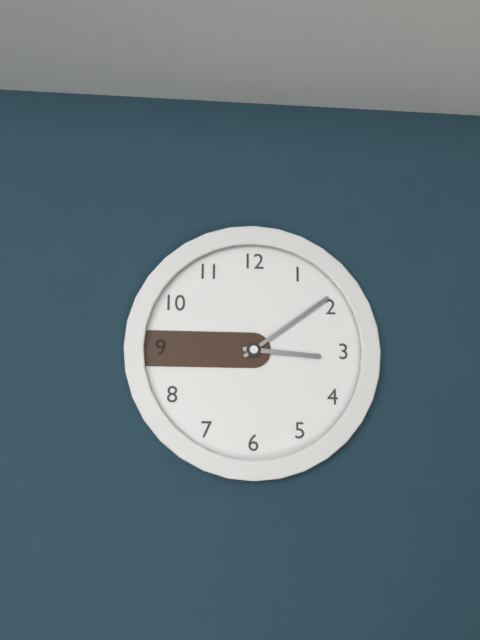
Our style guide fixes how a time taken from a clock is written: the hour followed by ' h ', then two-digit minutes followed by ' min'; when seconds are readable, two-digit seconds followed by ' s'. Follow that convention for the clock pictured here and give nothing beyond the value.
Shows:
3 h 09 min
